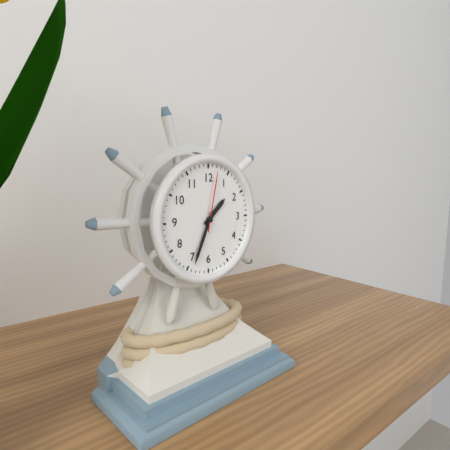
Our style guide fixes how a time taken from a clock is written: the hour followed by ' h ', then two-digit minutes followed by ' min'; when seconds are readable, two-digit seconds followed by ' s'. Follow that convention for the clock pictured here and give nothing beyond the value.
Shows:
1 h 34 min 02 s
